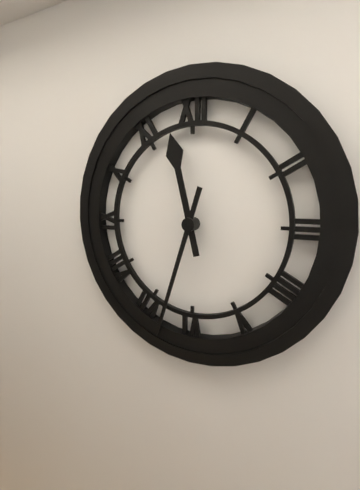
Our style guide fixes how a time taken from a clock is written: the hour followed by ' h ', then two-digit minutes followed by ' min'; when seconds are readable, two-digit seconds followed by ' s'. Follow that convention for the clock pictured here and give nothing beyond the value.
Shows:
11 h 33 min
